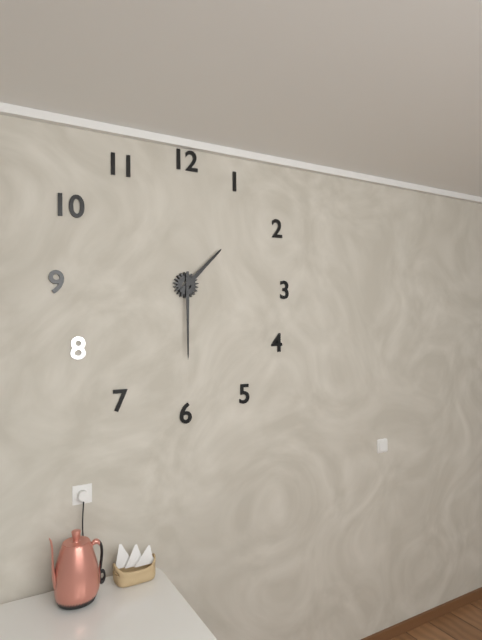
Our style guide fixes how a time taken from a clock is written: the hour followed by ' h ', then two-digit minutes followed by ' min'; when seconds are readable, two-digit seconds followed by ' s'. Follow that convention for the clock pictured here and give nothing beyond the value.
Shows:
1 h 30 min
